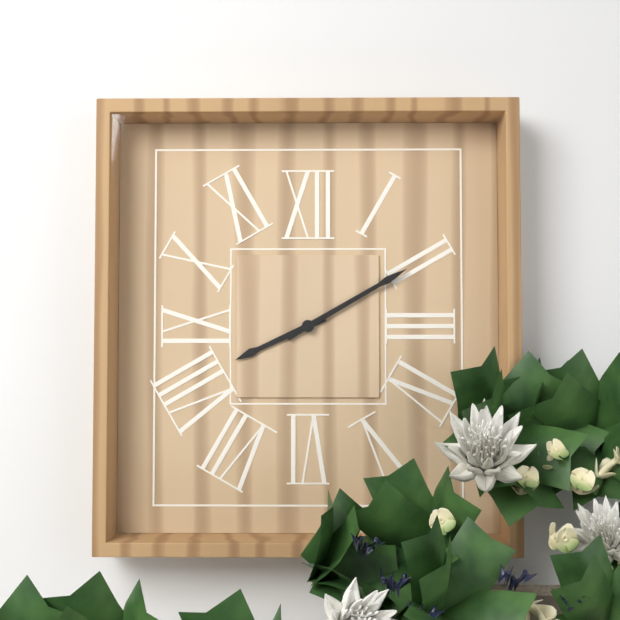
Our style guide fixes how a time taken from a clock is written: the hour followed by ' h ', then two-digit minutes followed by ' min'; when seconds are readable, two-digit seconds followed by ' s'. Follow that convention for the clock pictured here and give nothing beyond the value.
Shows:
8 h 10 min
